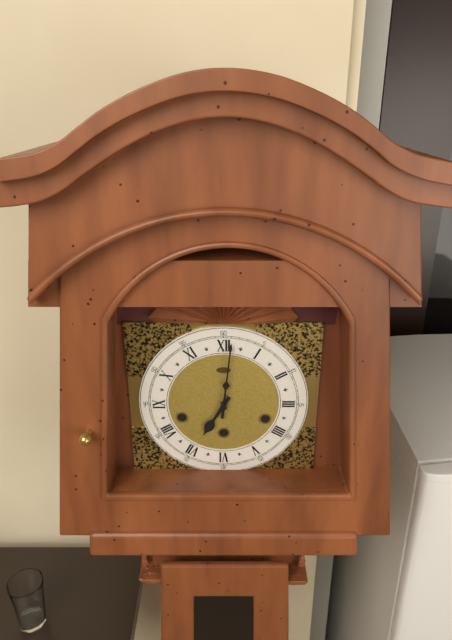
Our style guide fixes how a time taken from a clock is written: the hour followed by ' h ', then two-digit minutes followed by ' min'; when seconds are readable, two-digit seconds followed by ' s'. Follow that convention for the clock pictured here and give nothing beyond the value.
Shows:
7 h 01 min
